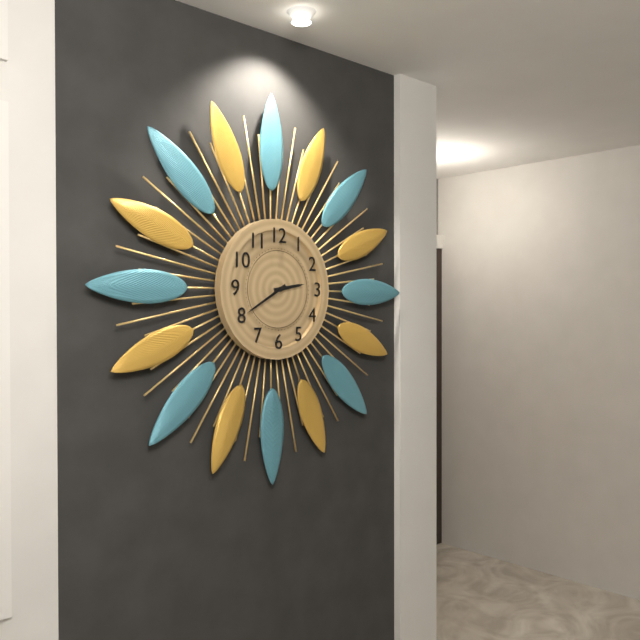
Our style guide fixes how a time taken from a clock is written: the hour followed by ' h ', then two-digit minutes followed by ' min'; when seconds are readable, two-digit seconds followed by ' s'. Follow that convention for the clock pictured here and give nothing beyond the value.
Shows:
2 h 40 min
